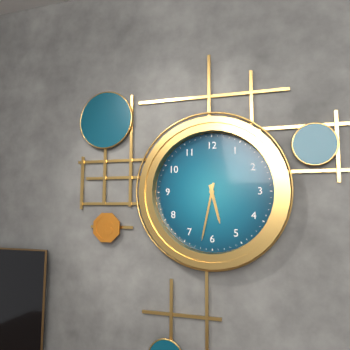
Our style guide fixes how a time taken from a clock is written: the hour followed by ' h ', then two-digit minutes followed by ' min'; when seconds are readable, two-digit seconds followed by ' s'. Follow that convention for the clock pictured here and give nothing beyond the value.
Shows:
5 h 32 min
